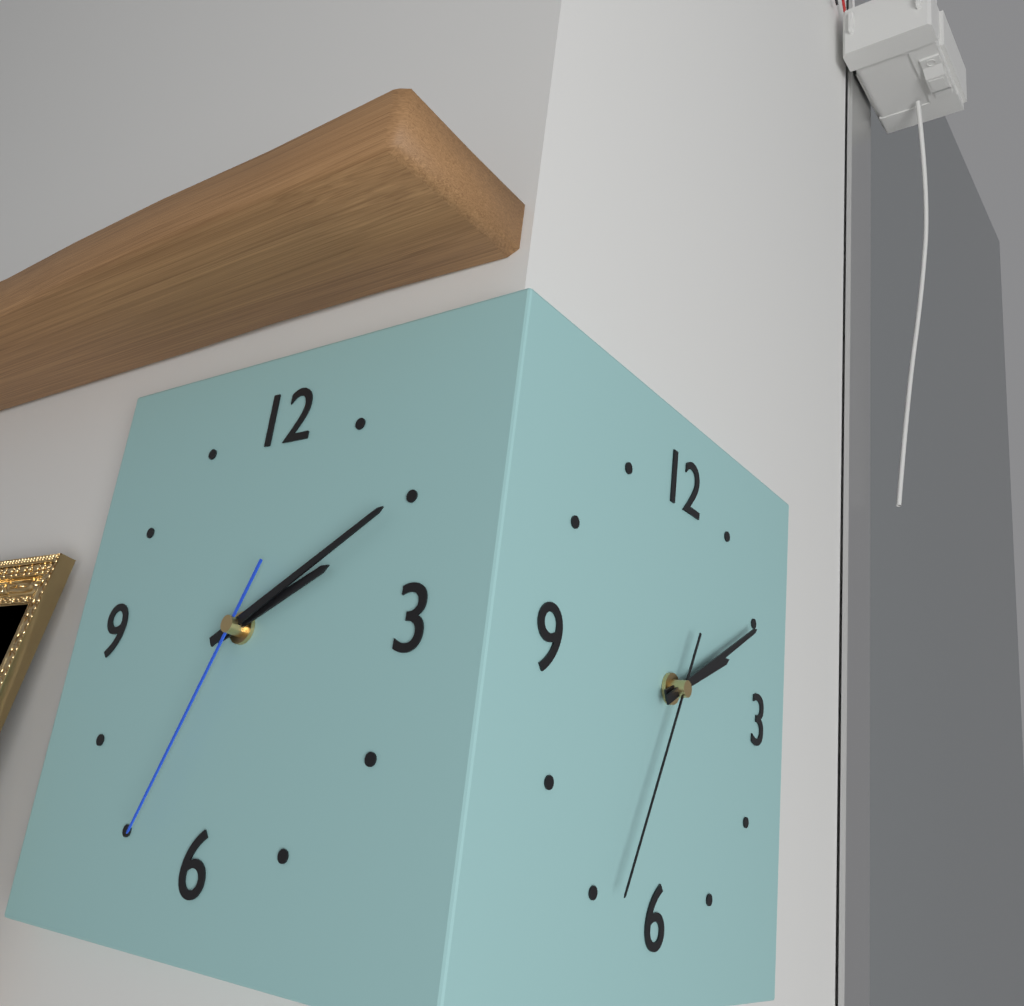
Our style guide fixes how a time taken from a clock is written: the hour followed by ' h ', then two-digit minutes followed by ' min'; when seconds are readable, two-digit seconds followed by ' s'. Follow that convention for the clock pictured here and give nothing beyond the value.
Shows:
2 h 10 min 34 s
